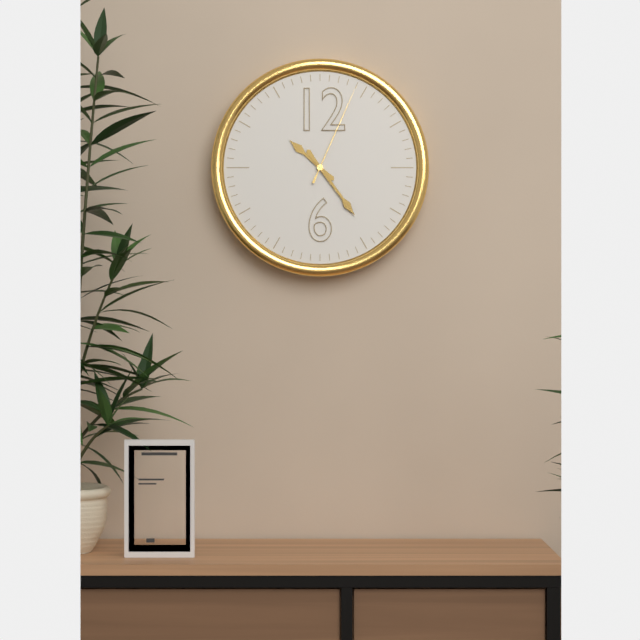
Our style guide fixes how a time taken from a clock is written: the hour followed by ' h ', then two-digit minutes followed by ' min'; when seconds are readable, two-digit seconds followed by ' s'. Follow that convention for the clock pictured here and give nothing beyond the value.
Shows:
10 h 24 min 04 s
